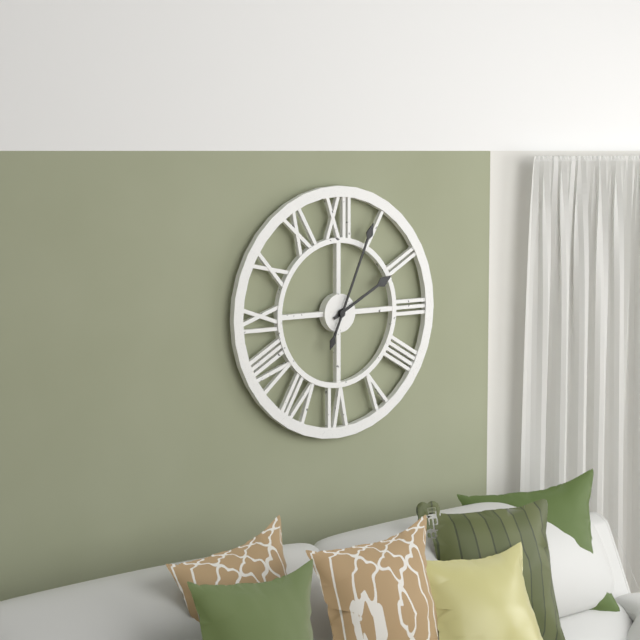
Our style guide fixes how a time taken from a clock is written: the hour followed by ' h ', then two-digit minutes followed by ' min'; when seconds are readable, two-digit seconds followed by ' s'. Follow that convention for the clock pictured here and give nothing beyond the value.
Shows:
2 h 04 min
